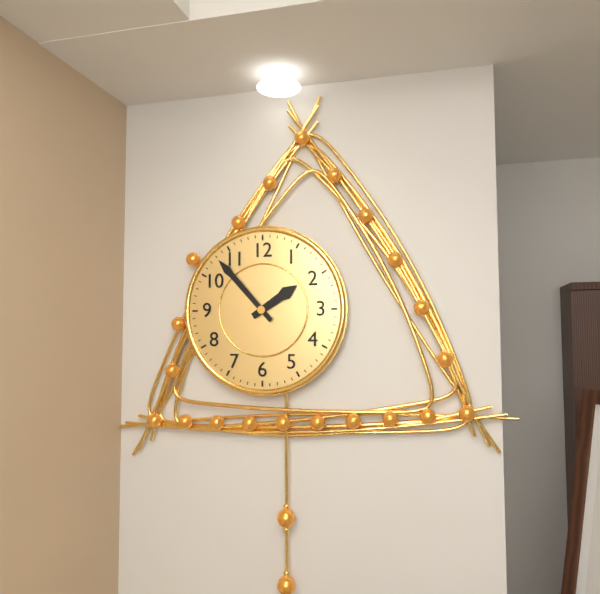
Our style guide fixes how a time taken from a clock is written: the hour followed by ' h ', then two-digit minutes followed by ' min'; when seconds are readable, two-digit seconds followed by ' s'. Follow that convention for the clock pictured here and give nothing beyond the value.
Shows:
1 h 53 min
